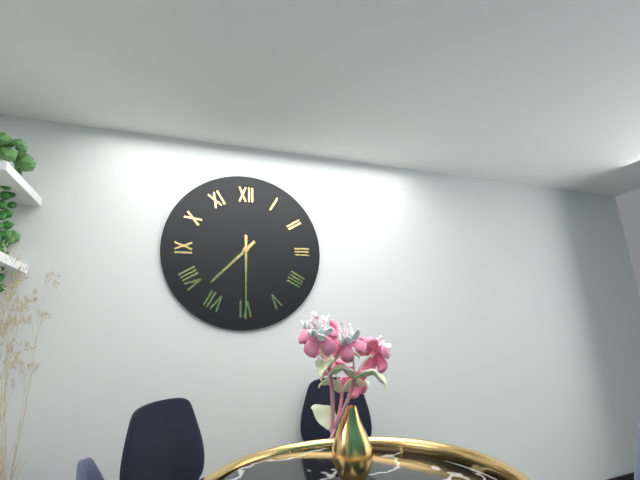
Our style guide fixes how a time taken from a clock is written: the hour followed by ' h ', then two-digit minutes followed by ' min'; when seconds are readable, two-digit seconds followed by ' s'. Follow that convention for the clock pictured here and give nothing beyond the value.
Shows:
7 h 30 min
